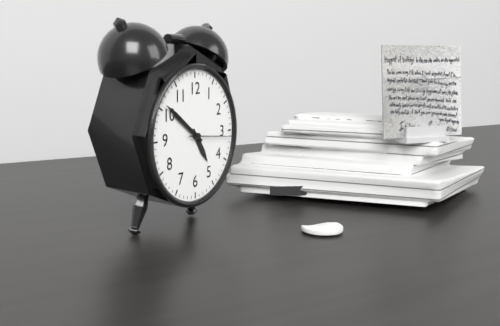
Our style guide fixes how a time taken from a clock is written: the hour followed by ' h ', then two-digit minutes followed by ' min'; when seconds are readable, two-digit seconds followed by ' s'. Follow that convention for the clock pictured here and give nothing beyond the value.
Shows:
4 h 51 min
